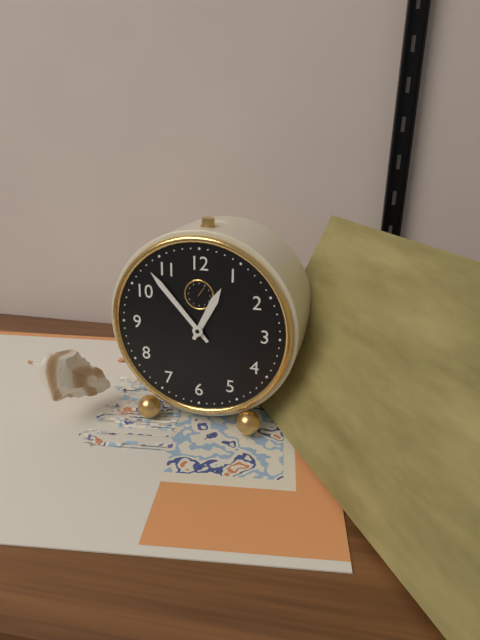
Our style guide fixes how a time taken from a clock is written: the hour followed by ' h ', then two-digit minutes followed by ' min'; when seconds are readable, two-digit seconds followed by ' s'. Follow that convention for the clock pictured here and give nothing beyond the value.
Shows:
12 h 53 min
